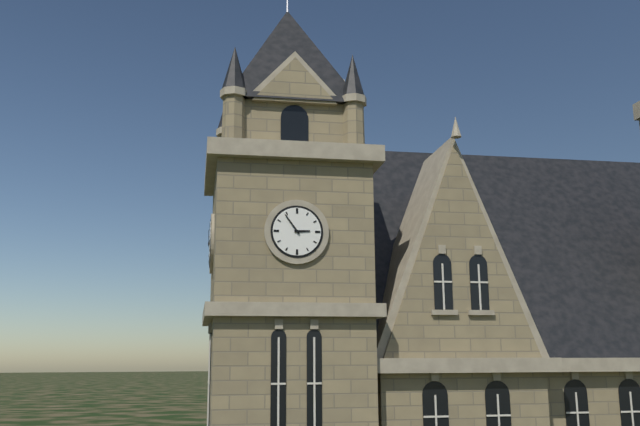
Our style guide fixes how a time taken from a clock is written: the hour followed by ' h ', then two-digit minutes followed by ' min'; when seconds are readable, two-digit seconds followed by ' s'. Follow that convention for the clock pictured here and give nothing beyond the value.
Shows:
2 h 54 min
